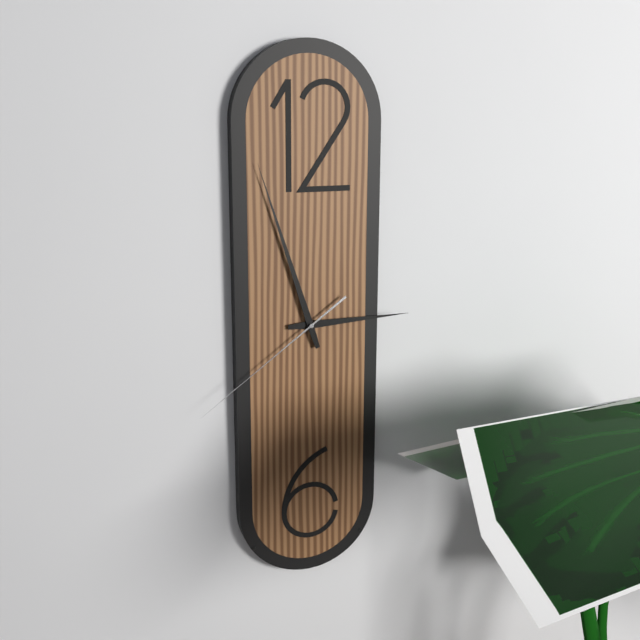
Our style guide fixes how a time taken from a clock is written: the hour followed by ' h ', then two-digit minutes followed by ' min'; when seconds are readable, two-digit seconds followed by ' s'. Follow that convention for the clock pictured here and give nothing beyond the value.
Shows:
2 h 57 min 39 s
